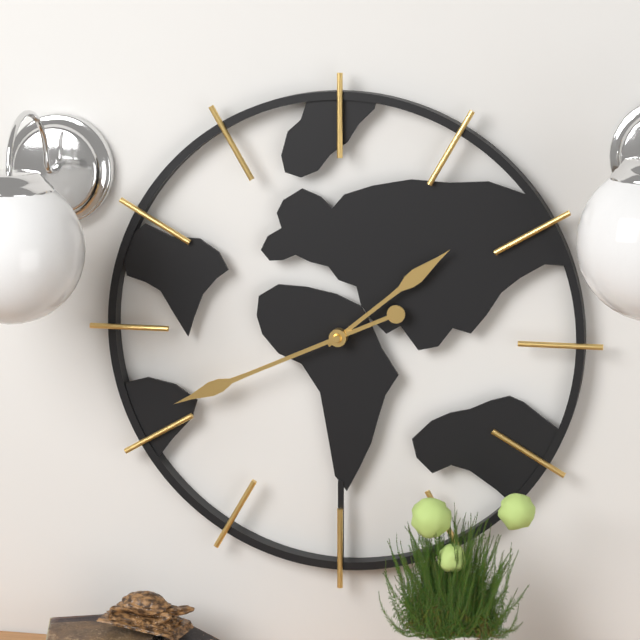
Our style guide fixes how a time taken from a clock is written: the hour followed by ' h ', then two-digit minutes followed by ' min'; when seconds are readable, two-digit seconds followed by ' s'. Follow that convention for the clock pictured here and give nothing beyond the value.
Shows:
1 h 41 min
